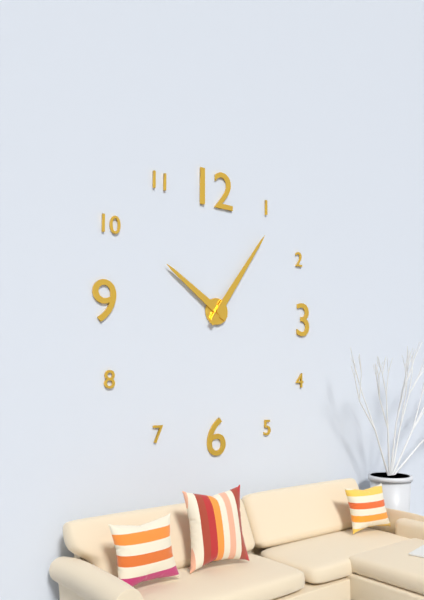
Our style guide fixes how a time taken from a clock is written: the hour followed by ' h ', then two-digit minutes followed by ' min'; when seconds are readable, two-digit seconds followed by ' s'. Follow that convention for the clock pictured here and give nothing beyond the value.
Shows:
10 h 06 min
